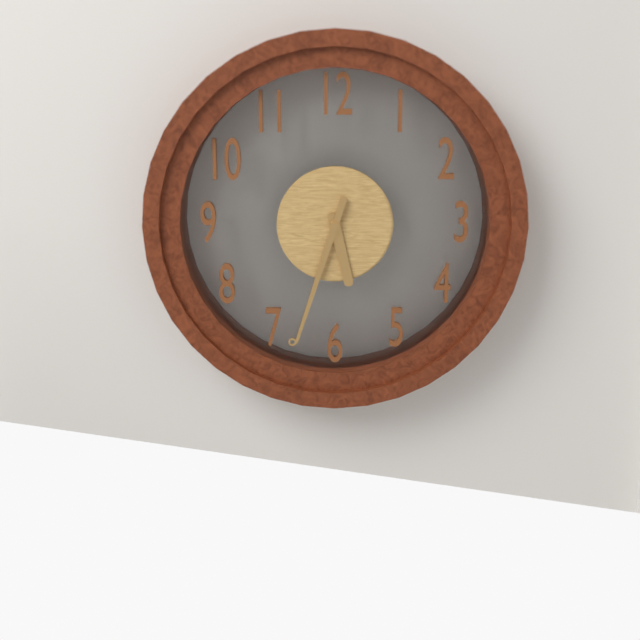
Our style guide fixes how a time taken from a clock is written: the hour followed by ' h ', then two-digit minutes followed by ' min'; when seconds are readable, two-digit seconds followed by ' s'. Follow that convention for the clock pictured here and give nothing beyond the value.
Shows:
5 h 33 min
